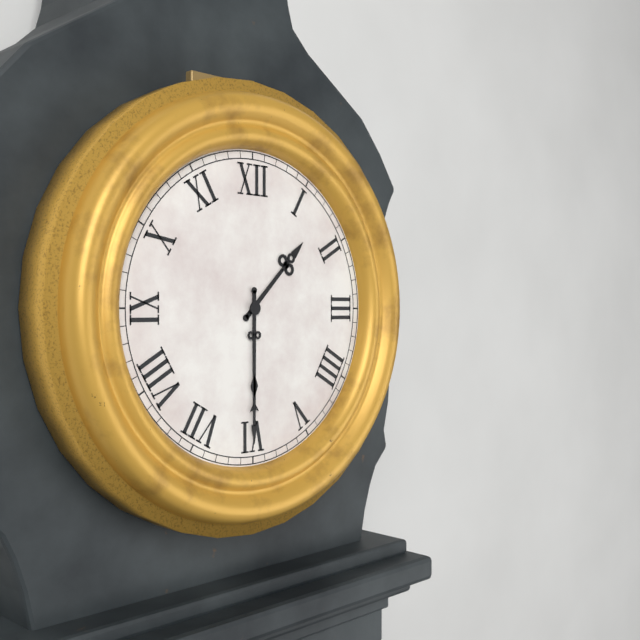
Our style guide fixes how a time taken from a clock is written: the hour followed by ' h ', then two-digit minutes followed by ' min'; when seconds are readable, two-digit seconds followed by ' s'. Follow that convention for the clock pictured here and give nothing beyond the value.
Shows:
1 h 30 min
